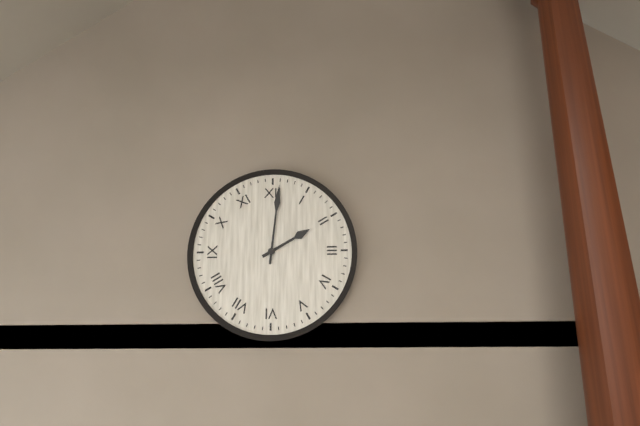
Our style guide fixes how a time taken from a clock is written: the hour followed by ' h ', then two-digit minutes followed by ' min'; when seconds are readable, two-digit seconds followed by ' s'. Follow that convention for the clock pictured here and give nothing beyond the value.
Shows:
2 h 01 min
